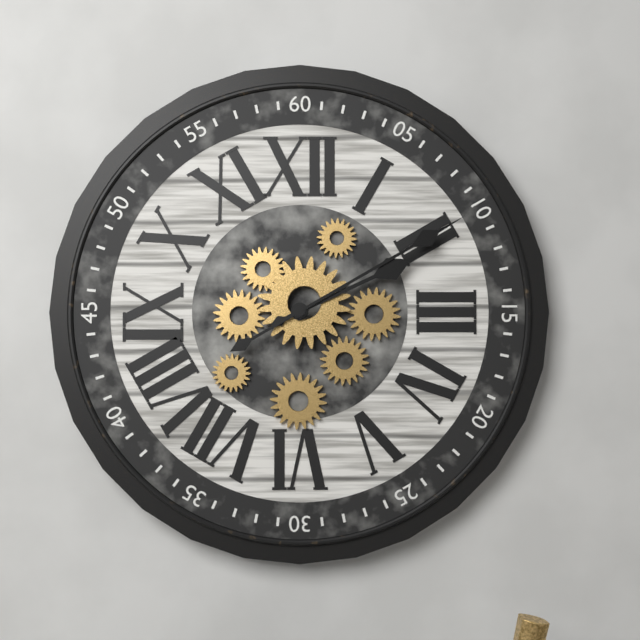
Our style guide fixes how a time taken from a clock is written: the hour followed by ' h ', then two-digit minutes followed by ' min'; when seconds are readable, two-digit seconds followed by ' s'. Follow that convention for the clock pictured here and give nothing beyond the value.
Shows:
2 h 10 min
